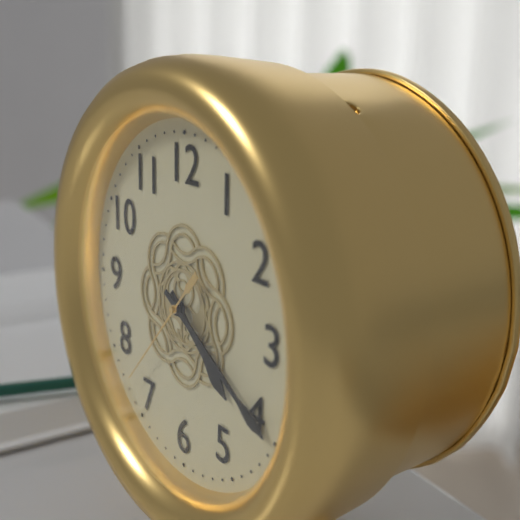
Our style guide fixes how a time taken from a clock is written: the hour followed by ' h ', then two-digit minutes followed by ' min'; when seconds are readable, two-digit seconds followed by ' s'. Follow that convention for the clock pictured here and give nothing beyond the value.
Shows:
4 h 20 min 37 s
